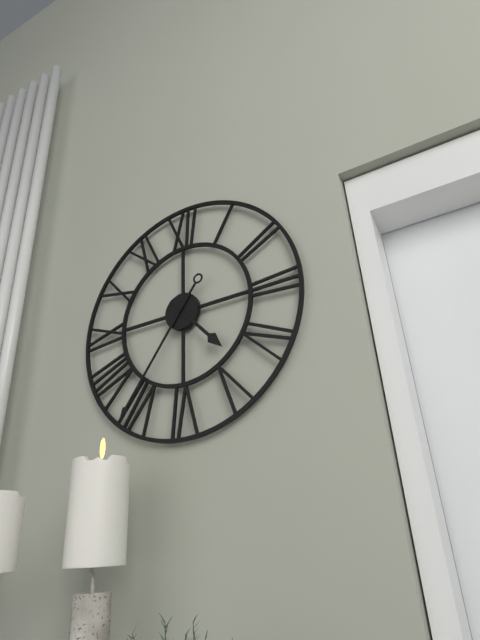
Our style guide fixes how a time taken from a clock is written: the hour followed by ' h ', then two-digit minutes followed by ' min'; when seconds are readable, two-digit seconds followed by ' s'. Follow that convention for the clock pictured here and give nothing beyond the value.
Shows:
4 h 36 min
